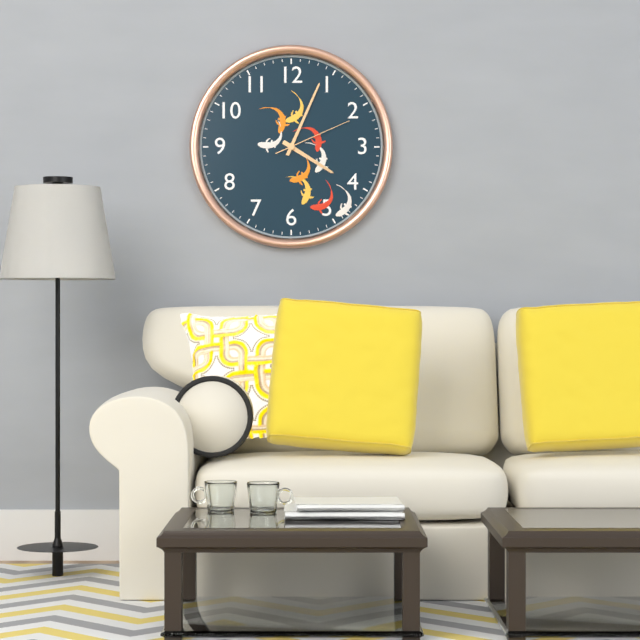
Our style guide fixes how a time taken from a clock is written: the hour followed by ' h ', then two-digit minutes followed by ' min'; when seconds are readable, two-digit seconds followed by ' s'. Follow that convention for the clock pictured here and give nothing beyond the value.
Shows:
4 h 04 min 11 s
